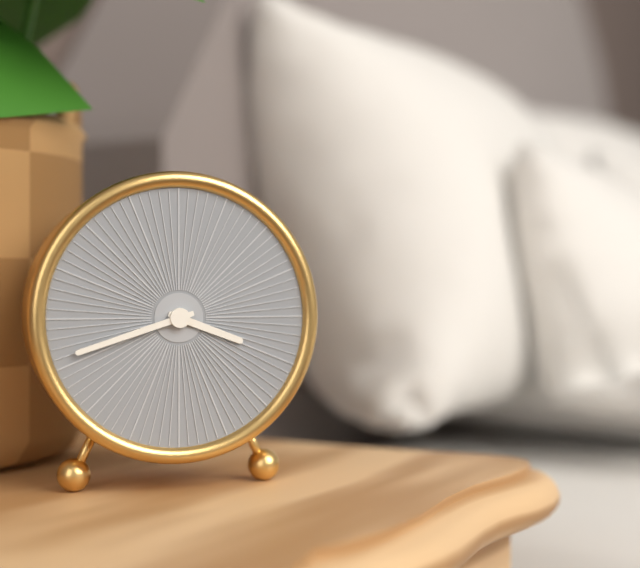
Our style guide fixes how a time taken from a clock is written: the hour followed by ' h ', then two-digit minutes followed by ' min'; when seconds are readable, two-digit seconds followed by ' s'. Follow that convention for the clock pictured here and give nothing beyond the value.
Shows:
3 h 42 min
